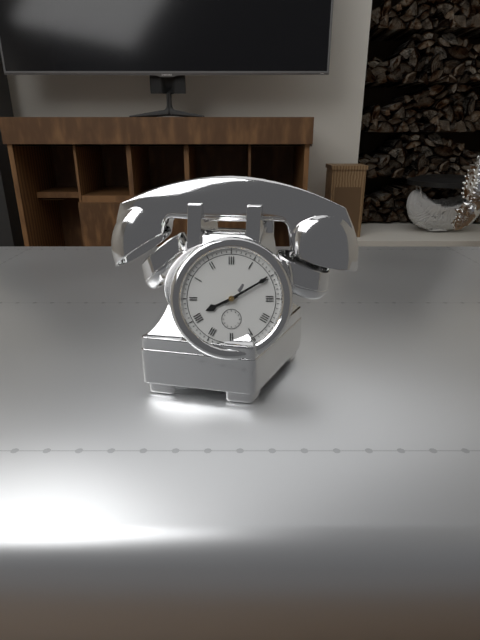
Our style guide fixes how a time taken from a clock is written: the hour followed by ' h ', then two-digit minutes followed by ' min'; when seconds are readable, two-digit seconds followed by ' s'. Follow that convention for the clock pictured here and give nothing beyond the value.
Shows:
8 h 10 min
